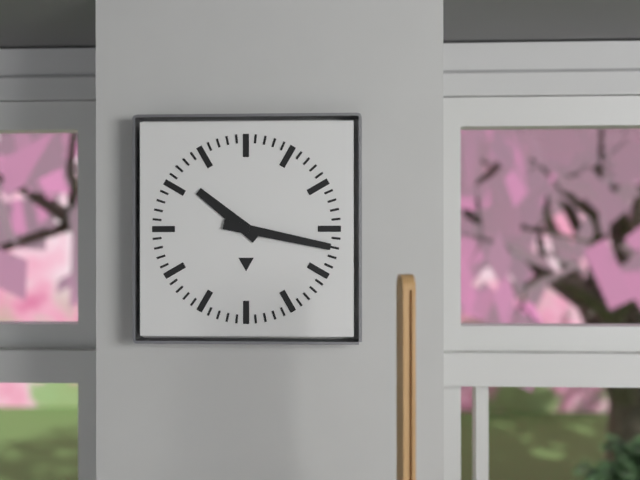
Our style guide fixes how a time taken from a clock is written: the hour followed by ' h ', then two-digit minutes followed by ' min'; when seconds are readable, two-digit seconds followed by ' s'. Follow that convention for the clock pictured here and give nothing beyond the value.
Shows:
10 h 17 min
